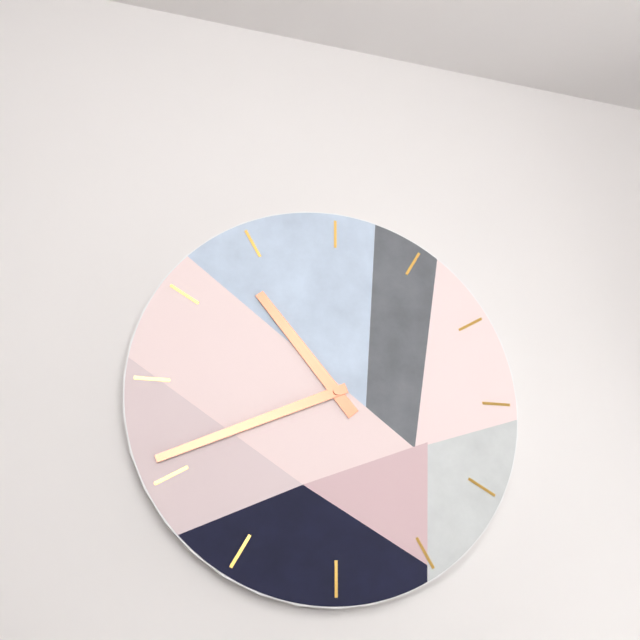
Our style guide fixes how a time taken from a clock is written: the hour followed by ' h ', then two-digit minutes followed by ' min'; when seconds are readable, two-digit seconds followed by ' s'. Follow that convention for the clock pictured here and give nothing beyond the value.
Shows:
10 h 41 min
